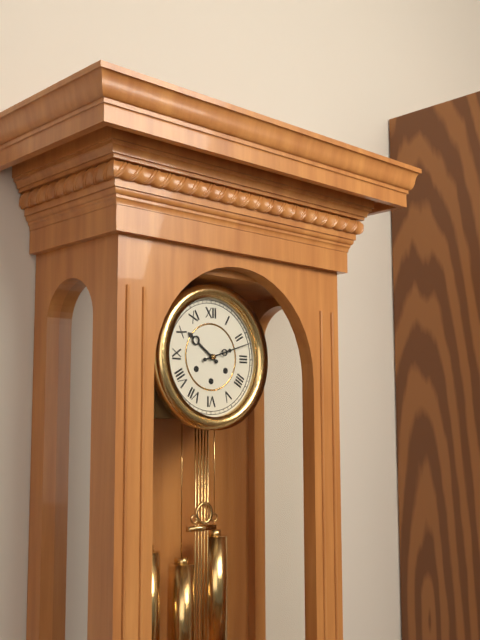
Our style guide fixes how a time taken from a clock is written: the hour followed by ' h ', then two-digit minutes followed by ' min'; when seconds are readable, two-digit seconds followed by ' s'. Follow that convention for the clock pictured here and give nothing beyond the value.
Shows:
10 h 12 min
